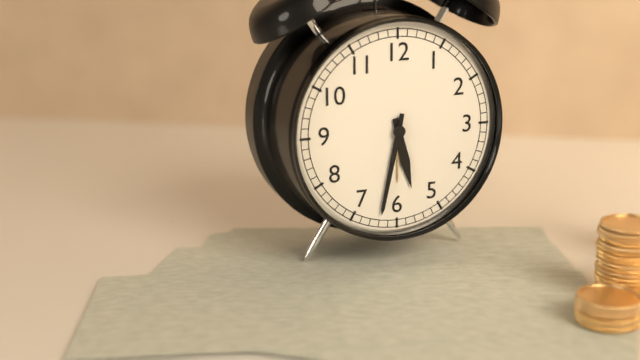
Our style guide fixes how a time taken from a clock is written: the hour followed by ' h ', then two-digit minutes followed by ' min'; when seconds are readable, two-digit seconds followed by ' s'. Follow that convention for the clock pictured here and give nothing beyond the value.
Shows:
5 h 32 min
